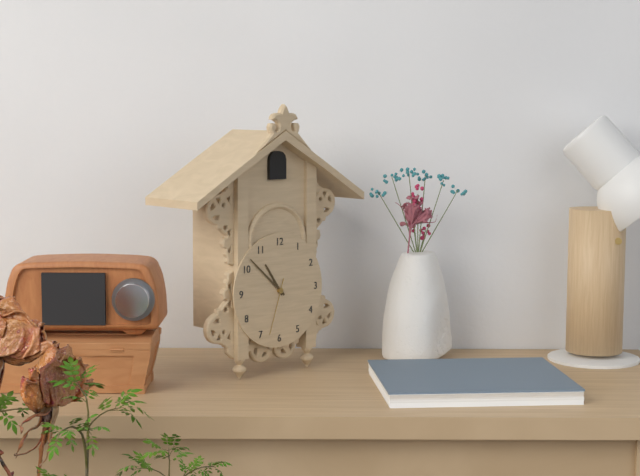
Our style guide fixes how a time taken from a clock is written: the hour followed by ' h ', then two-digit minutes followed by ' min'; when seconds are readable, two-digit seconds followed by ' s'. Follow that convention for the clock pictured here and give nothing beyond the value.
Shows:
10 h 52 min 33 s
